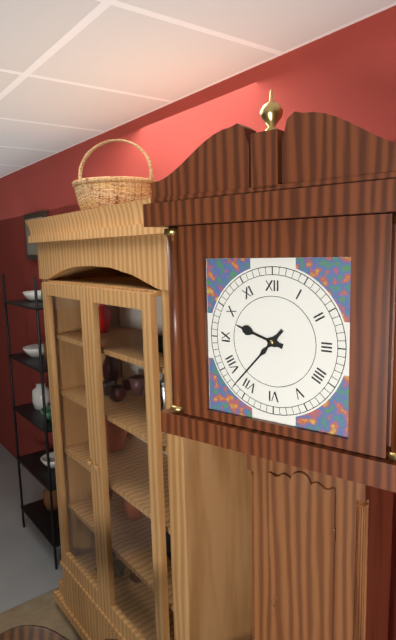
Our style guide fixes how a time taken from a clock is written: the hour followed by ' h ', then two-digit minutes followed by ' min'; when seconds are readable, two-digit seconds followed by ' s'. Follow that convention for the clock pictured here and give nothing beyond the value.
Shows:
9 h 37 min
